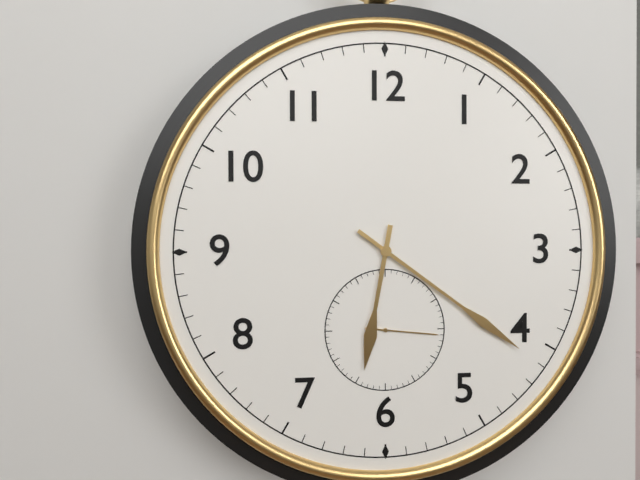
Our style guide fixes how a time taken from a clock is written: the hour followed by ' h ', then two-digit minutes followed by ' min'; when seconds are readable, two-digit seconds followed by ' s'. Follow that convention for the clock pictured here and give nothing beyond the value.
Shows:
6 h 21 min 16 s
